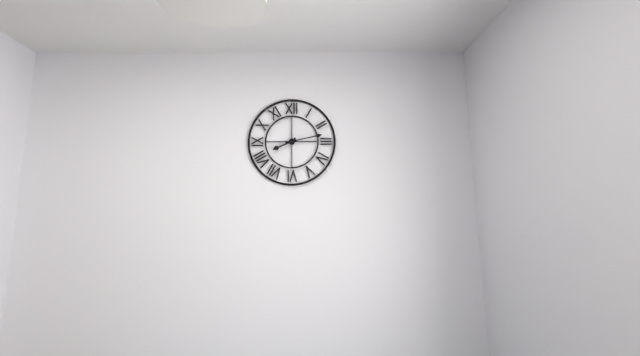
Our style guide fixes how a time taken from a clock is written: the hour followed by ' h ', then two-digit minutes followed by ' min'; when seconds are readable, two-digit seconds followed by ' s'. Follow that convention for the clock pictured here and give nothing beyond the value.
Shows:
8 h 13 min
